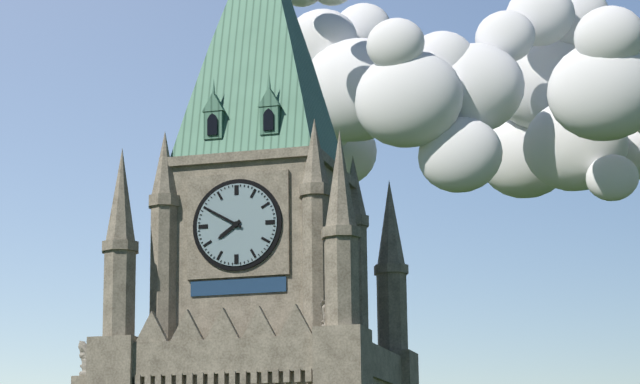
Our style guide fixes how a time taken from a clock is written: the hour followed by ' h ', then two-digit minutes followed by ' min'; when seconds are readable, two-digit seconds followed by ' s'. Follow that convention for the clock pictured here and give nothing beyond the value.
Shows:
7 h 50 min
